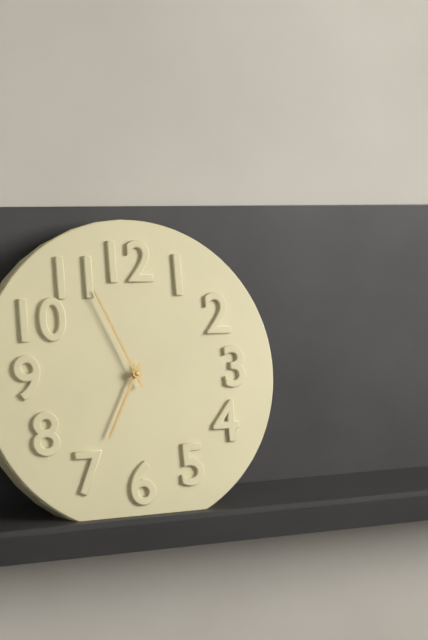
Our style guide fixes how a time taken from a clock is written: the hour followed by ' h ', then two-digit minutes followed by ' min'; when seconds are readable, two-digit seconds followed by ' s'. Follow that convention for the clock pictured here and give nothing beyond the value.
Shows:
6 h 56 min
